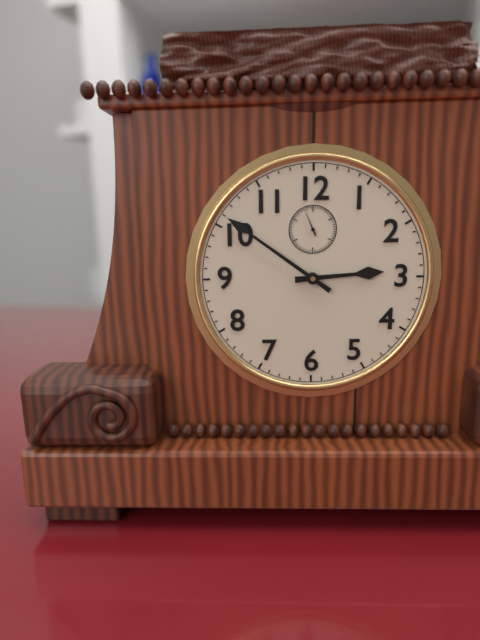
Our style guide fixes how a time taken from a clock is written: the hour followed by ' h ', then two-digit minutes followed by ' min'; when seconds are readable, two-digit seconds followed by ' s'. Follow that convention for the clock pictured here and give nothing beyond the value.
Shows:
2 h 51 min
